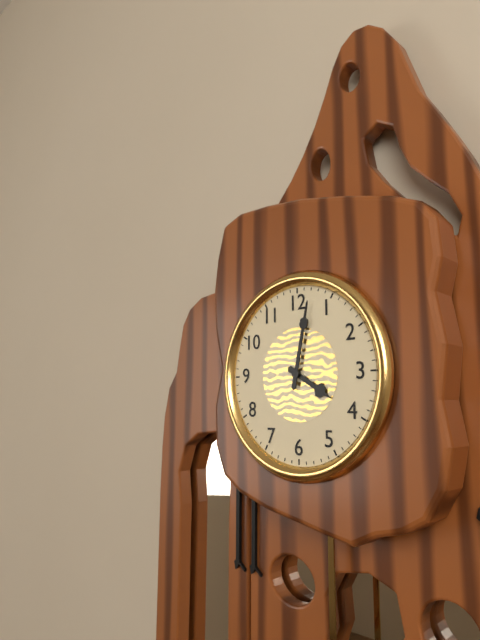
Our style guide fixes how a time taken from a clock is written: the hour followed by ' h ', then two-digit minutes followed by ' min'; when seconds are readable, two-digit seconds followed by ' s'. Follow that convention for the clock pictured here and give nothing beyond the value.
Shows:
4 h 02 min
